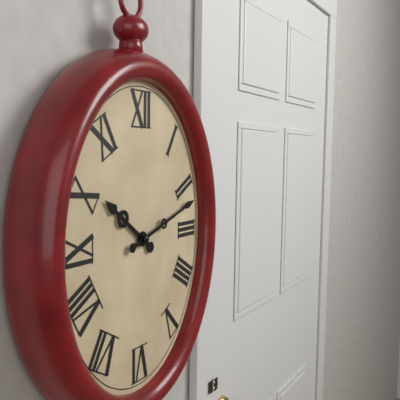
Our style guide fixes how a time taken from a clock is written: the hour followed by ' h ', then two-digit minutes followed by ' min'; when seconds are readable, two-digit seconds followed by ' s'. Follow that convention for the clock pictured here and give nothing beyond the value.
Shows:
10 h 12 min
